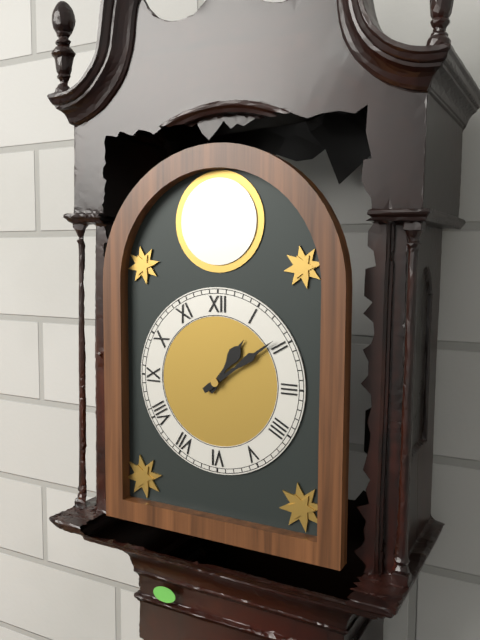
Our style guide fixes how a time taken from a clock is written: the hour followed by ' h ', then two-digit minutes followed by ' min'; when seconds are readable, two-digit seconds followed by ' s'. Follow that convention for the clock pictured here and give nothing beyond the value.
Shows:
1 h 09 min
